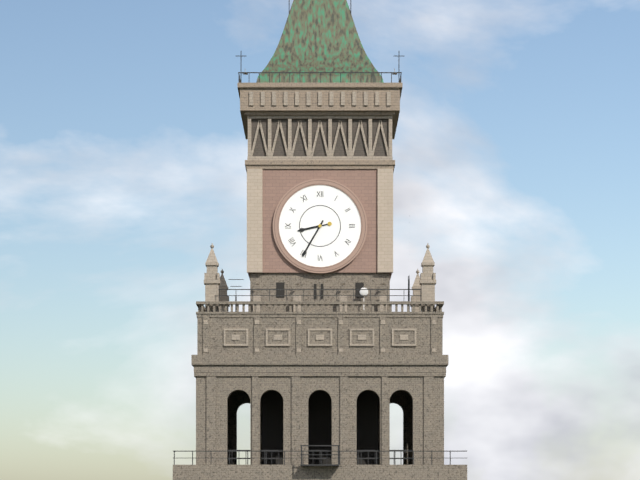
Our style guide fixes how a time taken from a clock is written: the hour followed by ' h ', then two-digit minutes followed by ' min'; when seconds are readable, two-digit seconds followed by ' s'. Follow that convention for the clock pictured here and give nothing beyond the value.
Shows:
8 h 35 min
